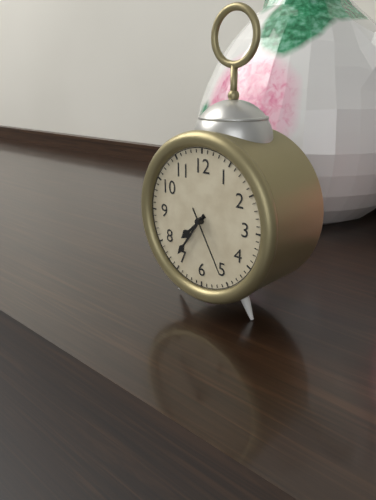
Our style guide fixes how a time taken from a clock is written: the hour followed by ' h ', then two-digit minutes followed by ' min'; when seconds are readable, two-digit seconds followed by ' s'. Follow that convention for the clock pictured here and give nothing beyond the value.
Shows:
7 h 36 min 25 s
